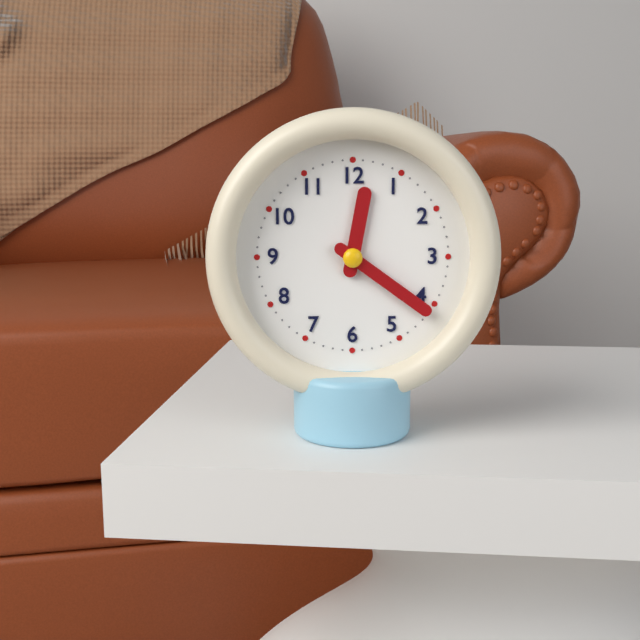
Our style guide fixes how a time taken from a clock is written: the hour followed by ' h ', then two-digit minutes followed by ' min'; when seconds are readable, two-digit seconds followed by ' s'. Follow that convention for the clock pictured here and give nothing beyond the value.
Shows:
12 h 21 min
